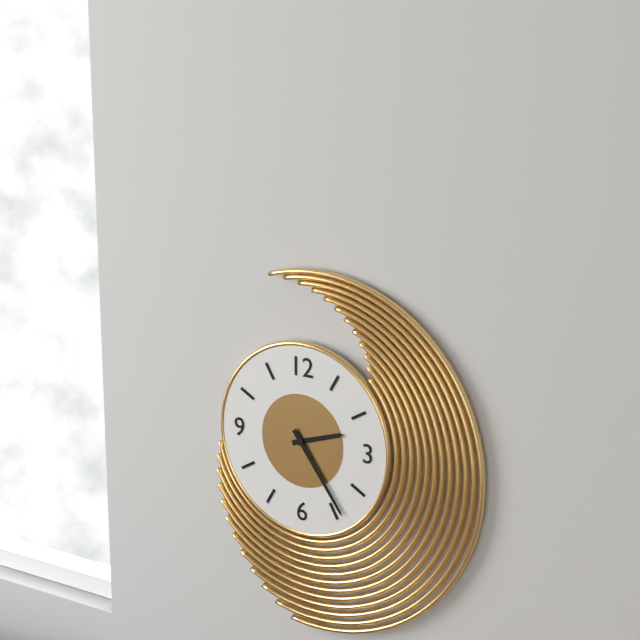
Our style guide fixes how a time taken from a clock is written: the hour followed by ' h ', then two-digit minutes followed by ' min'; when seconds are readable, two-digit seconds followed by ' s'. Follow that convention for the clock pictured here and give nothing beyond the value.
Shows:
2 h 24 min
